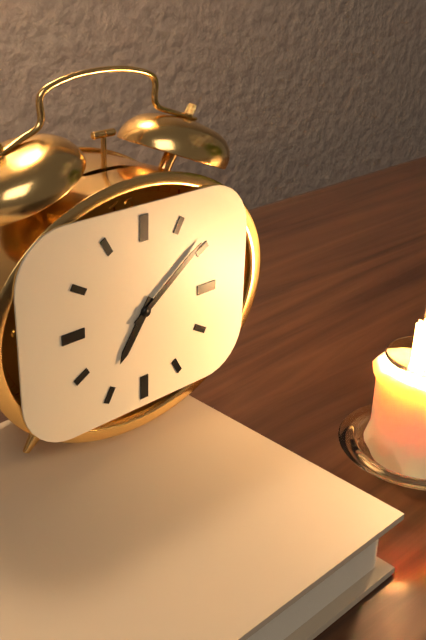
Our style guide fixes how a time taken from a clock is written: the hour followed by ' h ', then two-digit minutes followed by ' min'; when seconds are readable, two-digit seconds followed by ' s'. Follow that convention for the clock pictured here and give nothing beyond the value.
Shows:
7 h 09 min
